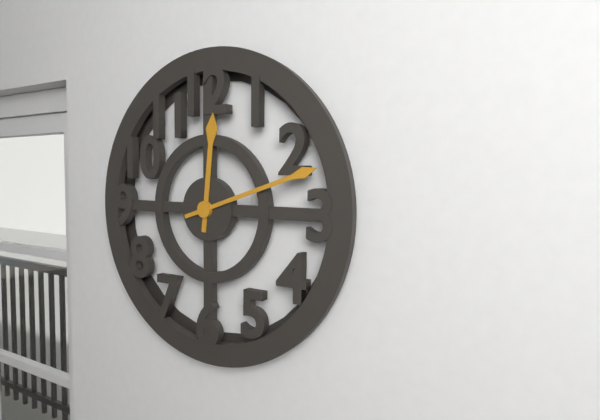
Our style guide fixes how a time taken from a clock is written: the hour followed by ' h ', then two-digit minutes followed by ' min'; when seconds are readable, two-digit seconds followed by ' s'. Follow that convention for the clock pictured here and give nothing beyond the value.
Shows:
12 h 12 min
